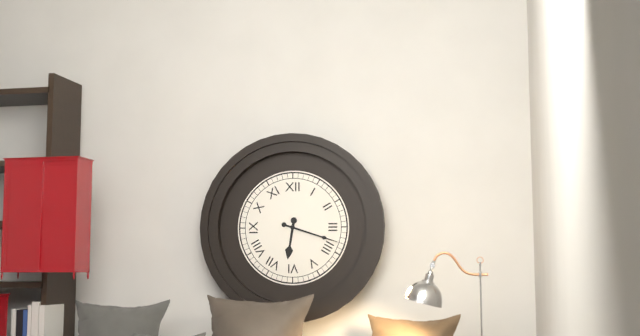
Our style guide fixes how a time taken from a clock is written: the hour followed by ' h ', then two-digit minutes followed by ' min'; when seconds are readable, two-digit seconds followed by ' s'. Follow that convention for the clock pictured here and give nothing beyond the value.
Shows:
6 h 18 min
